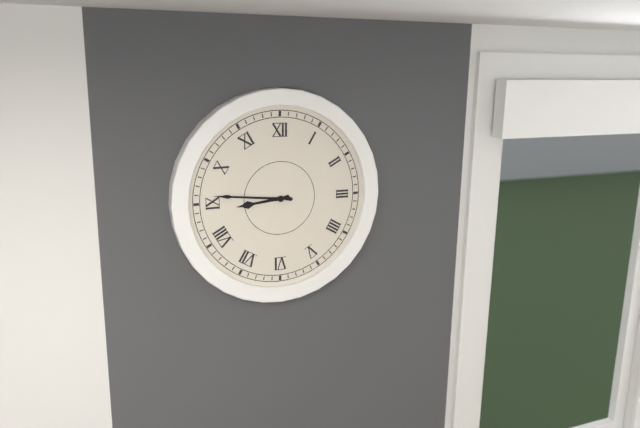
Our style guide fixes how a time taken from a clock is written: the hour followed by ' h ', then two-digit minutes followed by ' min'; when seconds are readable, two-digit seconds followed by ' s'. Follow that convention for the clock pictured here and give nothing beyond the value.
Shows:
8 h 46 min
